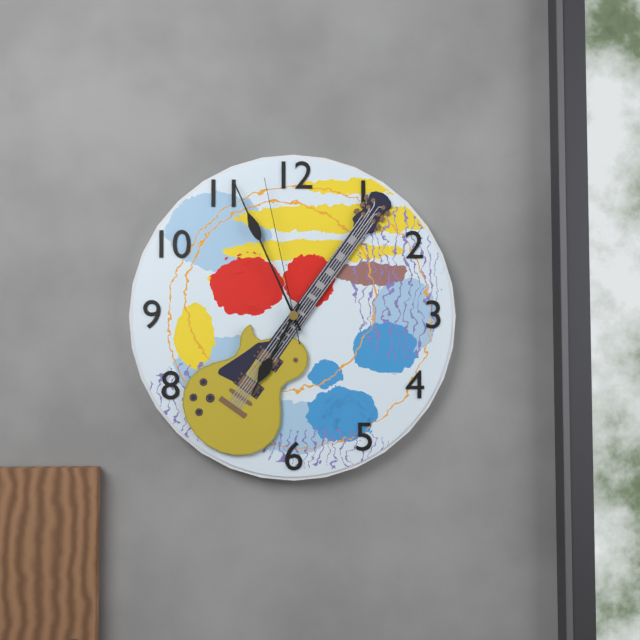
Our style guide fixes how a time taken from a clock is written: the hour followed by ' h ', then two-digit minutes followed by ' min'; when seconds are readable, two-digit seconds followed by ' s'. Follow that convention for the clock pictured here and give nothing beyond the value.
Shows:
6 h 56 min 58 s
